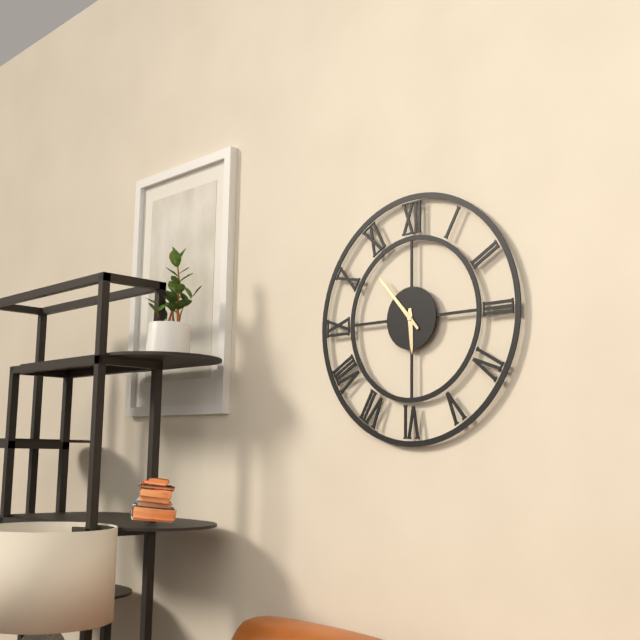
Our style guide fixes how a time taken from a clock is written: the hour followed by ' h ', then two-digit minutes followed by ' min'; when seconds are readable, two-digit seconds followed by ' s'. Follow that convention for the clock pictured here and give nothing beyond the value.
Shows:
5 h 53 min
